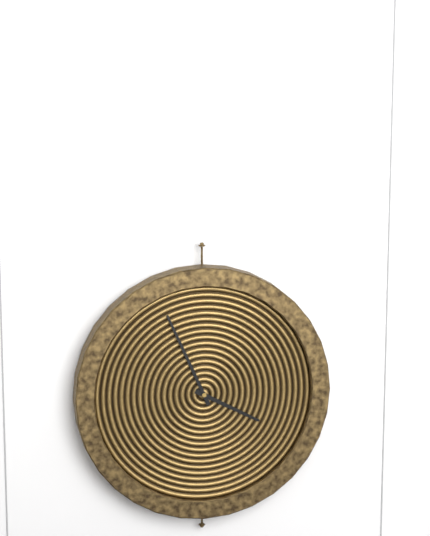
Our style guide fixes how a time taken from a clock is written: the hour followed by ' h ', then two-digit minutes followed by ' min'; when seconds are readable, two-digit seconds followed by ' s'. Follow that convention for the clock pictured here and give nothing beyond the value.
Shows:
3 h 56 min
